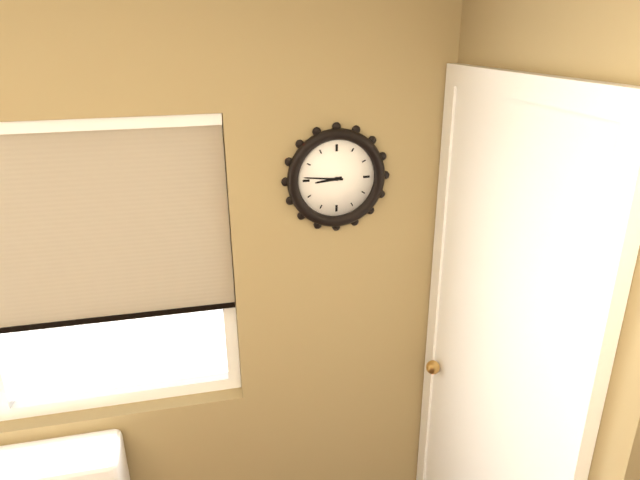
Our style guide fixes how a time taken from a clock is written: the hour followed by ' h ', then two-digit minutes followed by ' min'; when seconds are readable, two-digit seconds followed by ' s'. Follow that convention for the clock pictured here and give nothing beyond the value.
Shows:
8 h 46 min
